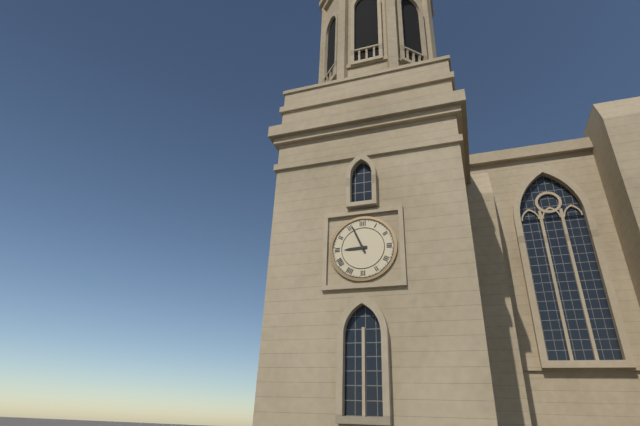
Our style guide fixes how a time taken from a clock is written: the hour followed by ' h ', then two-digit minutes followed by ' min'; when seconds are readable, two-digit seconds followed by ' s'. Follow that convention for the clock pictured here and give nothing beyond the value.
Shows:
8 h 56 min
